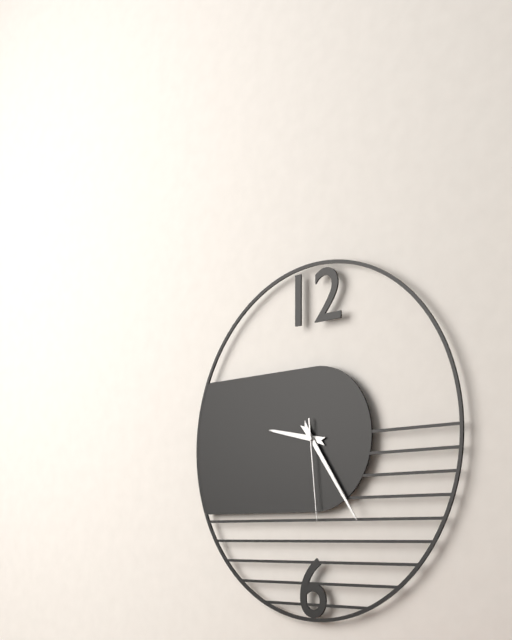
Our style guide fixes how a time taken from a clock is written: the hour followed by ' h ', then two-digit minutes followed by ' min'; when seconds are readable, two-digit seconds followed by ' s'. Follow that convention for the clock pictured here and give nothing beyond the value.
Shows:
9 h 24 min 29 s
